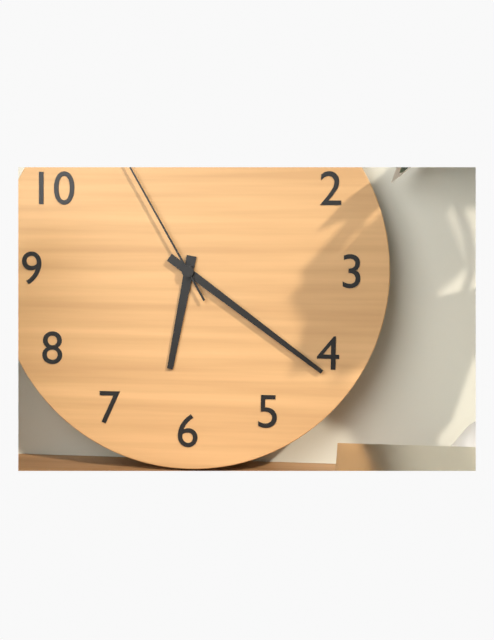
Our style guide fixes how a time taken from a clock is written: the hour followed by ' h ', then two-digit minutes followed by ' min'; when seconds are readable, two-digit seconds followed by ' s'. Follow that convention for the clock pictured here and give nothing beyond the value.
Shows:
6 h 21 min 55 s
